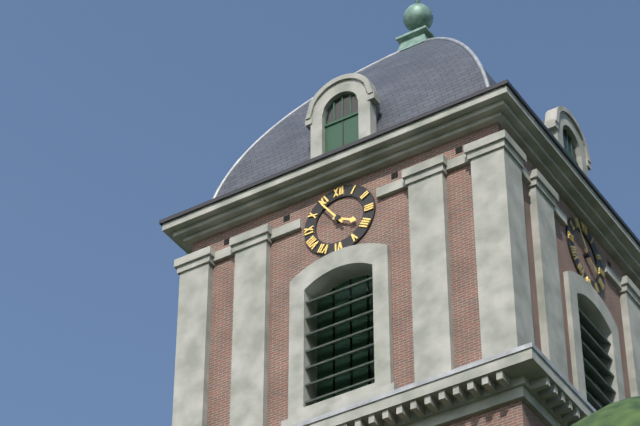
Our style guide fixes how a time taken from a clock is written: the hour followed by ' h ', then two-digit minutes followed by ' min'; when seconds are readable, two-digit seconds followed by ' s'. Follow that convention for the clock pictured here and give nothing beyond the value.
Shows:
3 h 54 min
